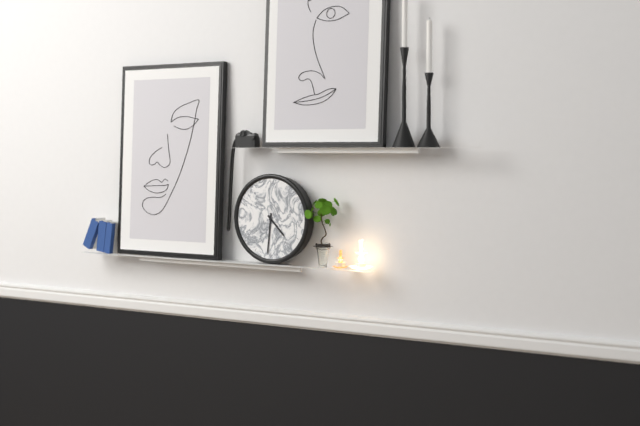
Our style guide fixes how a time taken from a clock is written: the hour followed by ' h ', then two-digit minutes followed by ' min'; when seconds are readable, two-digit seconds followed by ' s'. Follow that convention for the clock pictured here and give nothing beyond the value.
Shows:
4 h 31 min
